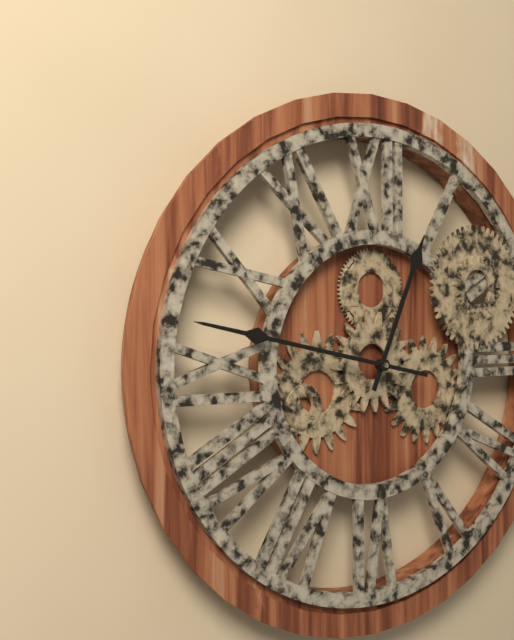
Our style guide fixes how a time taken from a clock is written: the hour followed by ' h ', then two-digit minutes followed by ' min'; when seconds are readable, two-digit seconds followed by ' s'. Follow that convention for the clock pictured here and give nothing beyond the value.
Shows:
12 h 47 min
